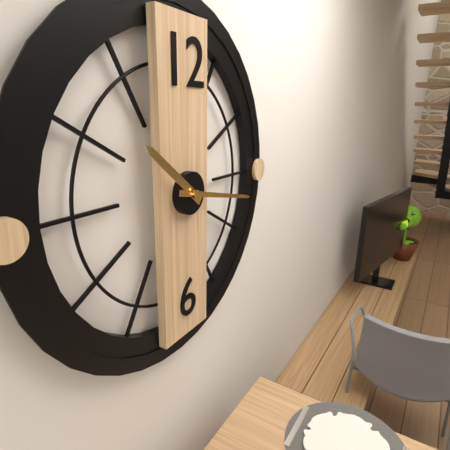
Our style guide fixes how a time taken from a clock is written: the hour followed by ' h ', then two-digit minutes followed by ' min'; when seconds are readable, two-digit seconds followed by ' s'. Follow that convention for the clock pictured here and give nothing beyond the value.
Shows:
10 h 17 min
